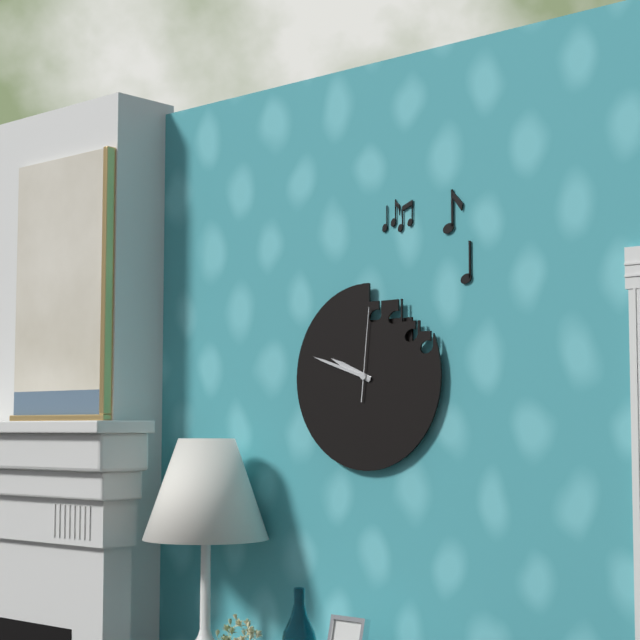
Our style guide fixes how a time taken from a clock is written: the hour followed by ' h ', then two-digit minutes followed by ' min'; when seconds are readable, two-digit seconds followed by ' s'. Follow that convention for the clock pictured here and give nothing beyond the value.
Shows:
9 h 48 min 01 s
